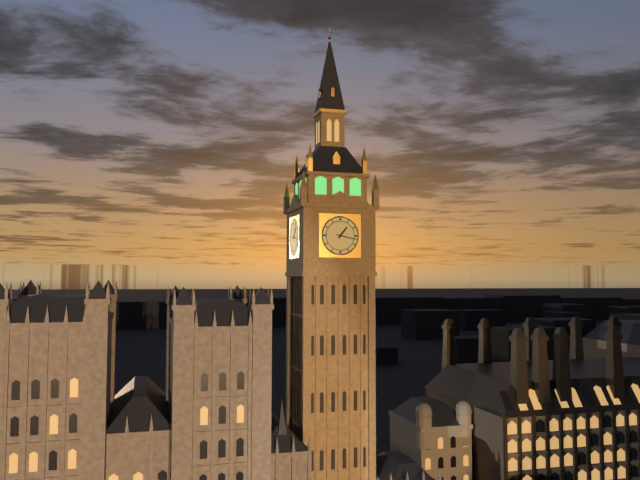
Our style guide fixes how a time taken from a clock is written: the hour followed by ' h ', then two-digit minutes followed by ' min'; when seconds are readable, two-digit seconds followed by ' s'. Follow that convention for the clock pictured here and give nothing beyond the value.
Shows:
1 h 17 min
